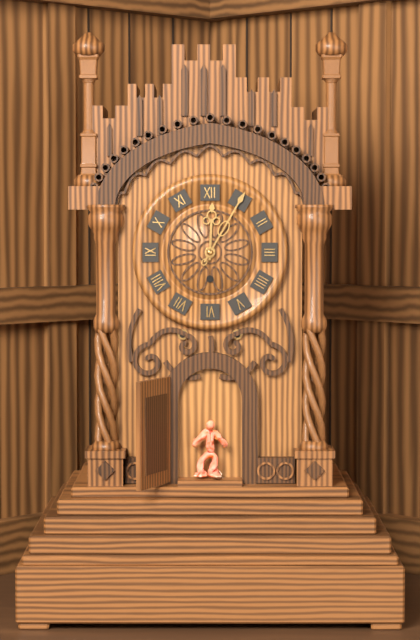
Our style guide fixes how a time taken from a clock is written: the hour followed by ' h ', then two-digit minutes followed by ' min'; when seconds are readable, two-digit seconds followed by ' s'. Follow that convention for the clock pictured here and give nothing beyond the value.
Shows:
12 h 05 min
